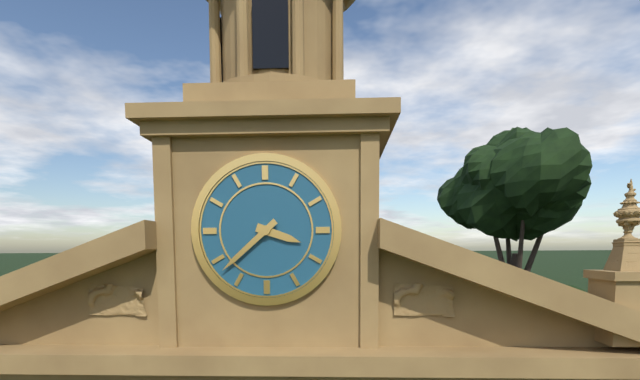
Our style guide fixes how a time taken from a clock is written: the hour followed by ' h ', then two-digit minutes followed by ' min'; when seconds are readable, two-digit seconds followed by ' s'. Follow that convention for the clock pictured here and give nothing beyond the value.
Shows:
3 h 38 min
